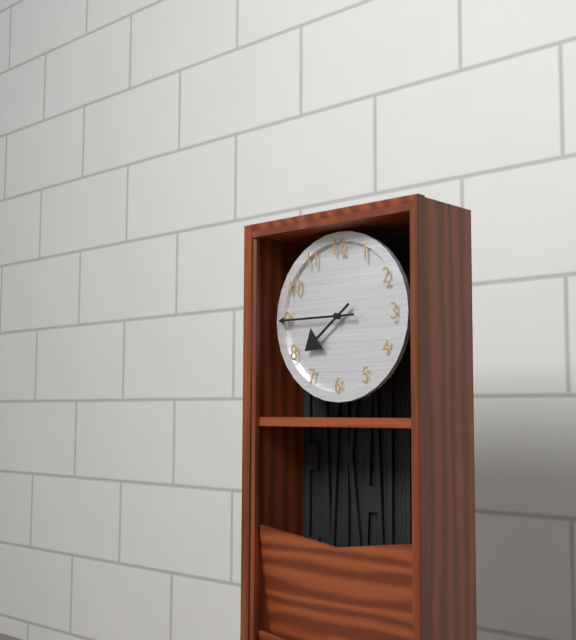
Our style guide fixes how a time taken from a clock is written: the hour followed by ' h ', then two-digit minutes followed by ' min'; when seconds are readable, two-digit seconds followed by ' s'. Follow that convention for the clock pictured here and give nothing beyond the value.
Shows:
7 h 45 min
